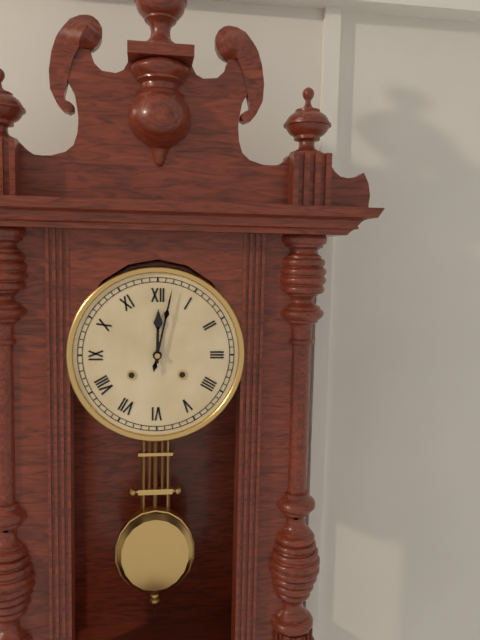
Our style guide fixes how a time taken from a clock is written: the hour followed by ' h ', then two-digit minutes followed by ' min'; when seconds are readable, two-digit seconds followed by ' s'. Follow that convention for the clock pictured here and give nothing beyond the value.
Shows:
12 h 02 min
